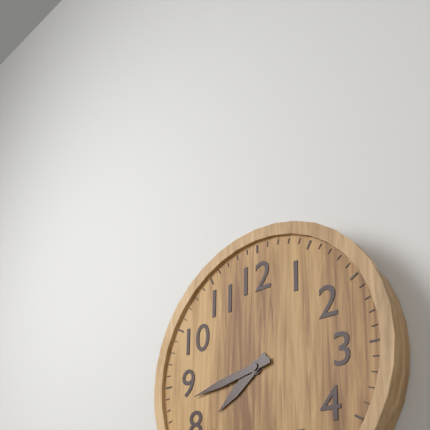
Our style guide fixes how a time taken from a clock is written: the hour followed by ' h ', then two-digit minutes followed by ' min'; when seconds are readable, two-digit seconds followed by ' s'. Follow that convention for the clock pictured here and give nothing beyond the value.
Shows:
7 h 43 min
